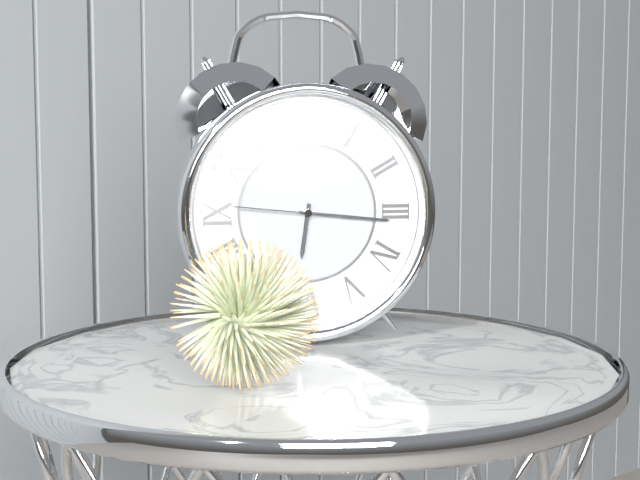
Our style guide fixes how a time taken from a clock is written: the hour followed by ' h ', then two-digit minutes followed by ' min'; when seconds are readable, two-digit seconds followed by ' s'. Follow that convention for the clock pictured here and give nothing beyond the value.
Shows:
6 h 16 min 46 s
